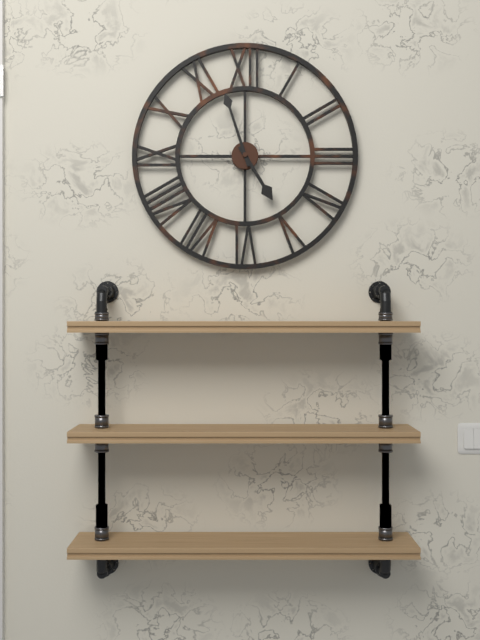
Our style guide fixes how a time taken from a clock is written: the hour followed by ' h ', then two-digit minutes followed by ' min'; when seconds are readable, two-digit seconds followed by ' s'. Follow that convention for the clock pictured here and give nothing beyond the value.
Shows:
4 h 57 min
